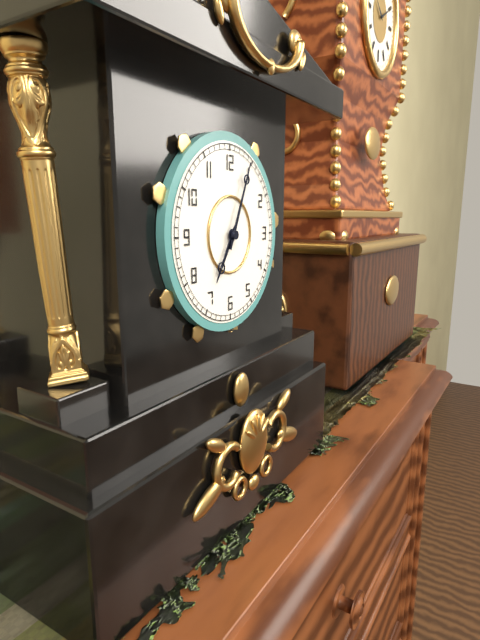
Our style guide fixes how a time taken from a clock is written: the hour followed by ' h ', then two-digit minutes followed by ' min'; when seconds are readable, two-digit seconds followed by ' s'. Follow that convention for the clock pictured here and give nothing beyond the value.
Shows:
7 h 04 min
